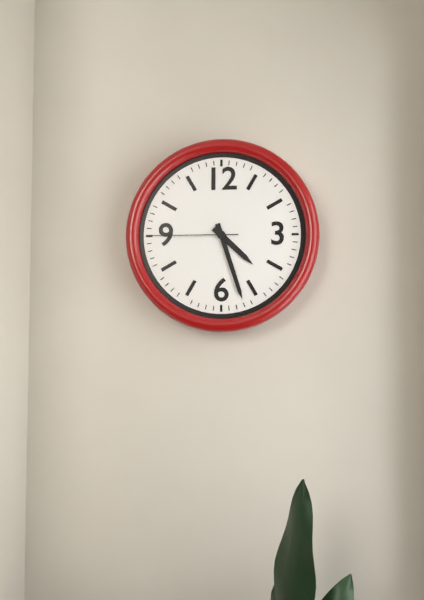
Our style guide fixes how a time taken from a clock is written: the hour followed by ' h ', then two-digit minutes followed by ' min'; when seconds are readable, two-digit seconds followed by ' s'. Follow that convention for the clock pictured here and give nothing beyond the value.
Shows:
4 h 27 min 45 s
